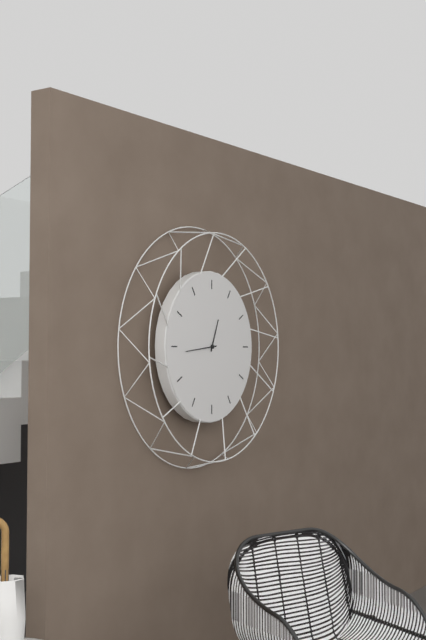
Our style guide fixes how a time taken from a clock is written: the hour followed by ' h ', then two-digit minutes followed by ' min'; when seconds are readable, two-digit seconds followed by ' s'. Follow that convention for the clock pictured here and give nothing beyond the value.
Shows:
12 h 44 min
